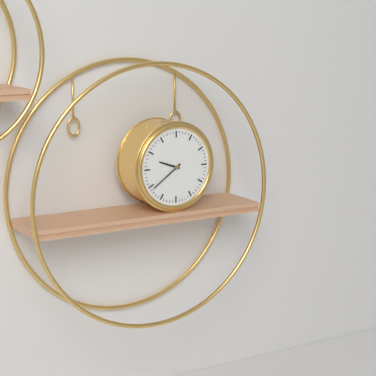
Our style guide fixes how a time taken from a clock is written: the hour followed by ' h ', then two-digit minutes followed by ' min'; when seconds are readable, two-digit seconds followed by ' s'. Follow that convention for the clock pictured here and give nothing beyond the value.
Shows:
9 h 39 min
